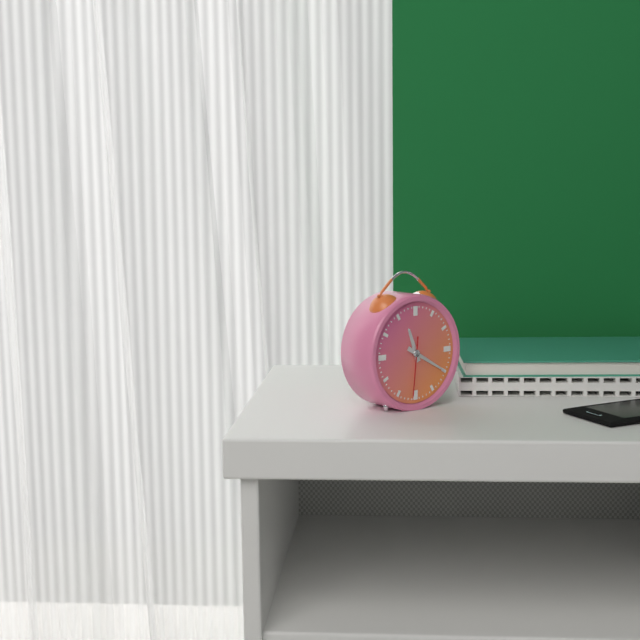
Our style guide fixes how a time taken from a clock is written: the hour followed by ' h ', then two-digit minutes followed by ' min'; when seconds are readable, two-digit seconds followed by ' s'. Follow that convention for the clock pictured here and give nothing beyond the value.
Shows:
11 h 20 min 31 s
